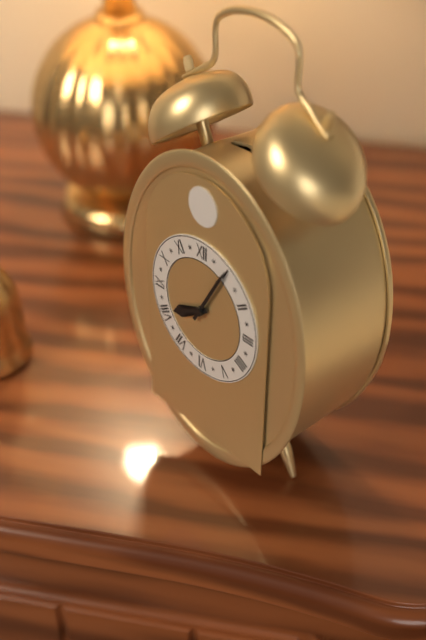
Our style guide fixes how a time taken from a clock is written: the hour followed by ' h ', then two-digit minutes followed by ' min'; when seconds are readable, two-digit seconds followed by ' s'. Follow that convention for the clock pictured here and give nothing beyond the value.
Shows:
8 h 05 min
